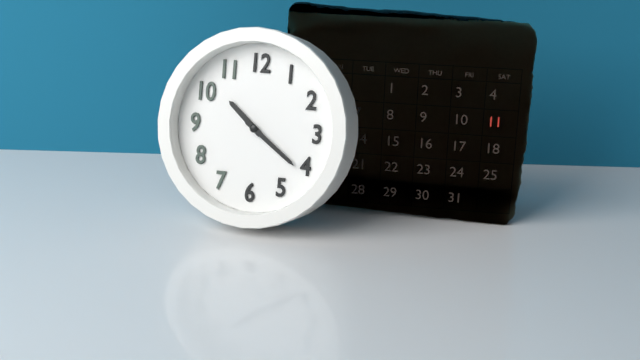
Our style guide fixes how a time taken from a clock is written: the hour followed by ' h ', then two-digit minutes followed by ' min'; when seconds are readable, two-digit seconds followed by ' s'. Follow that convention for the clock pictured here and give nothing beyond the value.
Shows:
10 h 21 min
